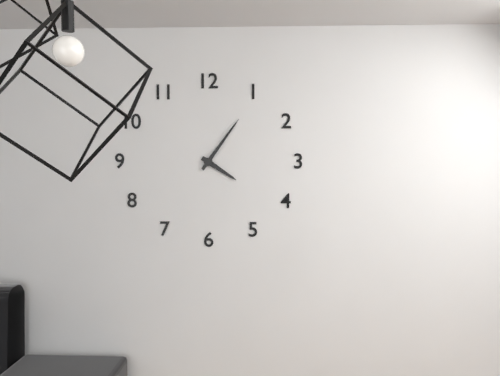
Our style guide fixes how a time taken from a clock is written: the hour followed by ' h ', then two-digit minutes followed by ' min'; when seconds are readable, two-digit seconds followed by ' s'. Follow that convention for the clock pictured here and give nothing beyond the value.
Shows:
4 h 06 min
